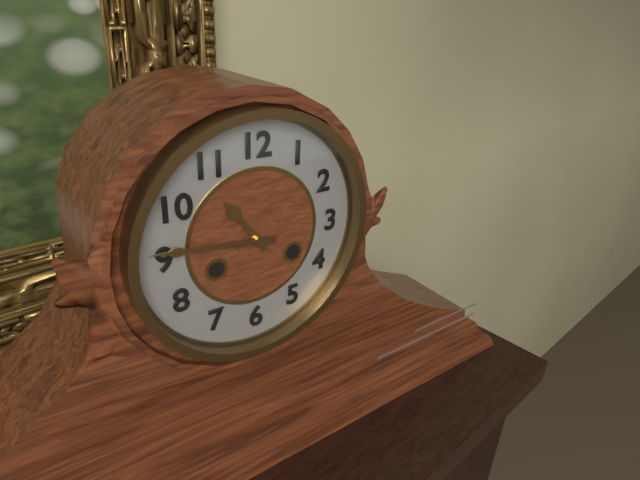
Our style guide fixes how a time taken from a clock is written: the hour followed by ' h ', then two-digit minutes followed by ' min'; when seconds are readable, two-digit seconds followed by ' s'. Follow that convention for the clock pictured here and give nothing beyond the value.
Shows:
10 h 46 min
